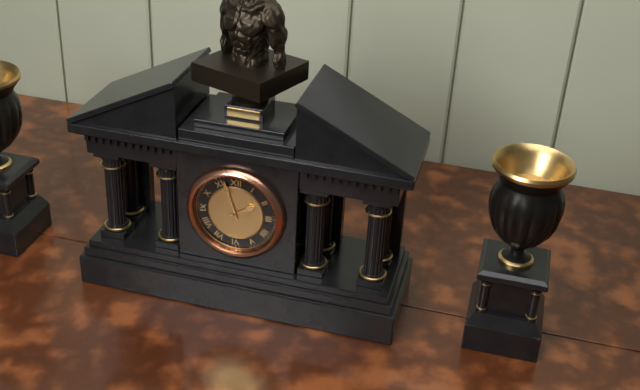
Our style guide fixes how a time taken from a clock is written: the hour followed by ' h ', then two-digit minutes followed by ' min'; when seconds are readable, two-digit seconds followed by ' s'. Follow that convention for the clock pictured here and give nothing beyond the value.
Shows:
1 h 57 min
